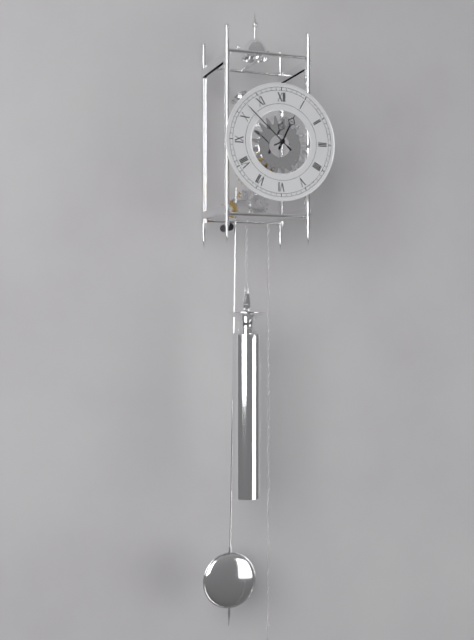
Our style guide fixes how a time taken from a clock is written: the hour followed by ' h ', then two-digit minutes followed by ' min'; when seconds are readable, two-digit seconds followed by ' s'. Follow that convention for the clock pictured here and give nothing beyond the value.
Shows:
12 h 52 min
